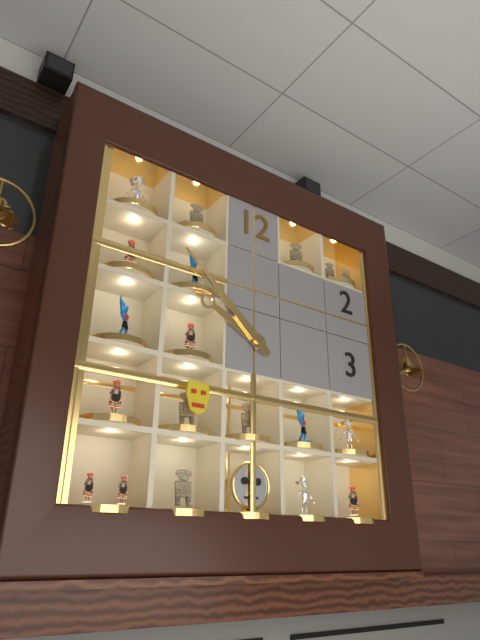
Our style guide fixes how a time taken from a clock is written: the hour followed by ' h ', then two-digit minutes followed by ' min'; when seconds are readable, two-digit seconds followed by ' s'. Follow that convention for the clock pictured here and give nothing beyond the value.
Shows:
9 h 52 min
